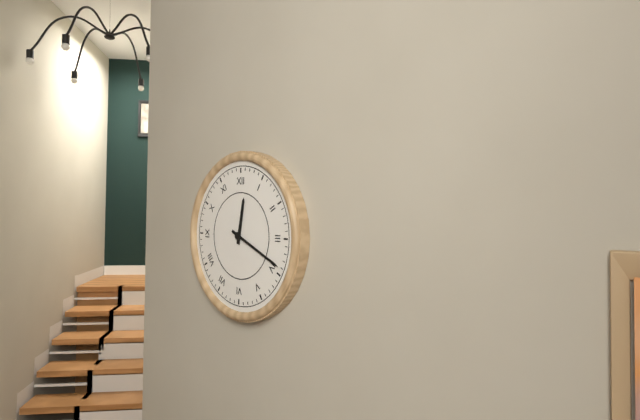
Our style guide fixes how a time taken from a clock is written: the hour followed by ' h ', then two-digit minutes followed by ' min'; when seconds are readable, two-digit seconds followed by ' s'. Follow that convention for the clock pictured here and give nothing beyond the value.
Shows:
12 h 19 min
